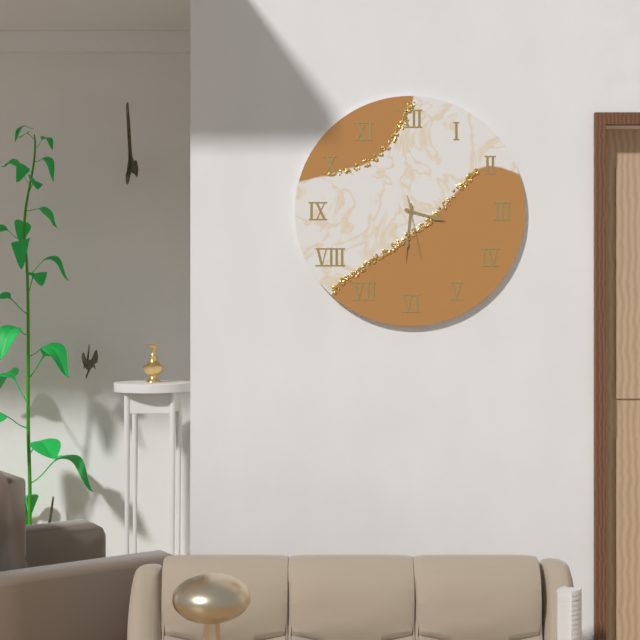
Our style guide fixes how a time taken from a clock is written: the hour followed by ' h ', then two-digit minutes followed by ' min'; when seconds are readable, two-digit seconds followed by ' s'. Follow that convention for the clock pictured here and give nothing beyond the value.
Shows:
3 h 31 min 28 s
